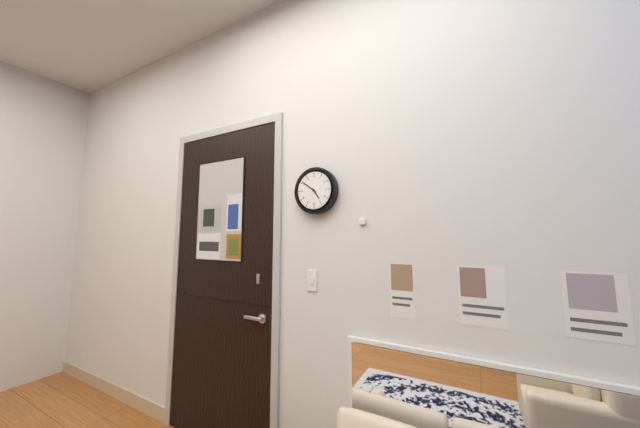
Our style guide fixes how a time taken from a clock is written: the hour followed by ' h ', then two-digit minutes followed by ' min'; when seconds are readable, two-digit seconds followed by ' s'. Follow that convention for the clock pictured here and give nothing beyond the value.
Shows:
4 h 51 min
